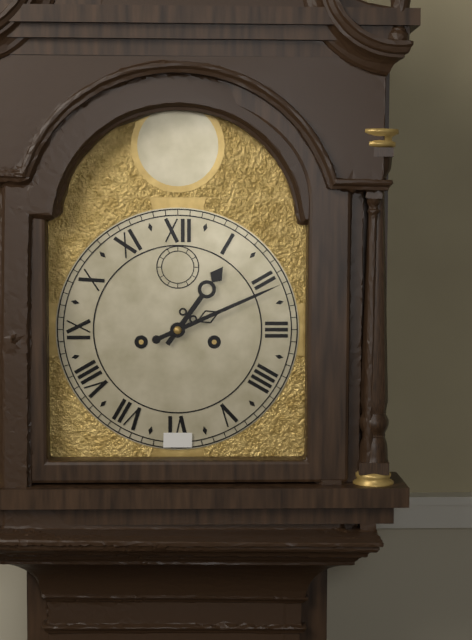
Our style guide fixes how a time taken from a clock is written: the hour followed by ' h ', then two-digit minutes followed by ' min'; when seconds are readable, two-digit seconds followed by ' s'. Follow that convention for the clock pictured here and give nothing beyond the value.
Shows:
1 h 11 min
